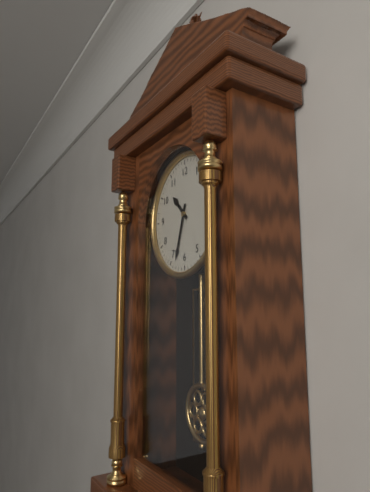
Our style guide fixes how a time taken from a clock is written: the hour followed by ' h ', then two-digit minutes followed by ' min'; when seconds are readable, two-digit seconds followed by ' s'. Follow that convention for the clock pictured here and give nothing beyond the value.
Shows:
10 h 33 min
